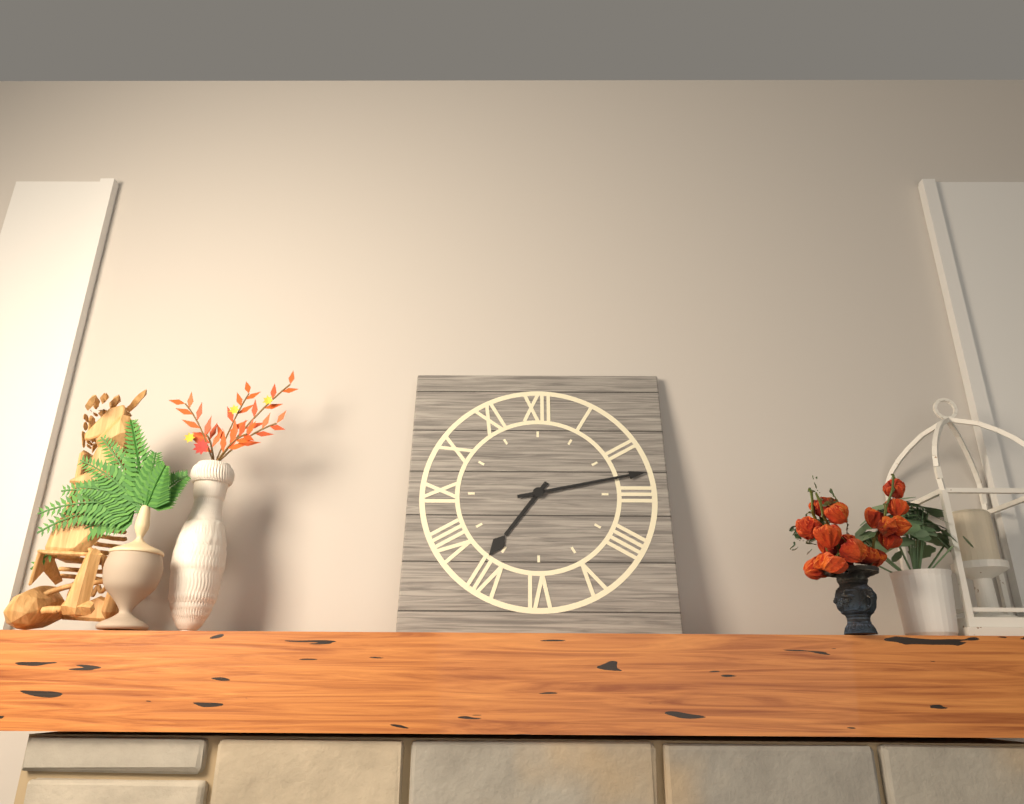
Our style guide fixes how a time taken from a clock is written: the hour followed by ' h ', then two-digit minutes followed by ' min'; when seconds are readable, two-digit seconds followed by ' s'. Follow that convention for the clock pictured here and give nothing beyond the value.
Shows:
7 h 13 min
